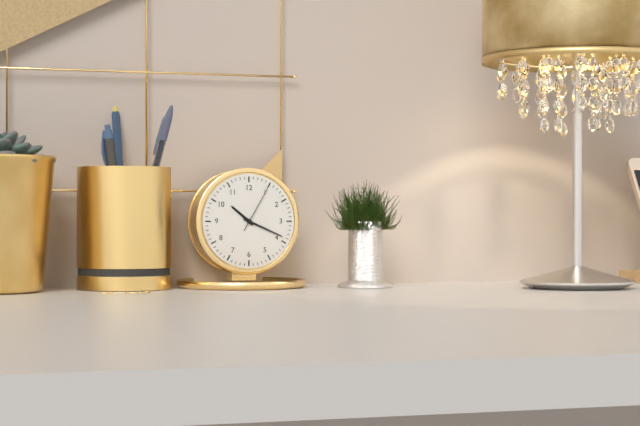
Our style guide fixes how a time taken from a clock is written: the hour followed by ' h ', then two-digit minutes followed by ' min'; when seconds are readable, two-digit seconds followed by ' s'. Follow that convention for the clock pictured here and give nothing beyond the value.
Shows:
10 h 19 min 05 s
